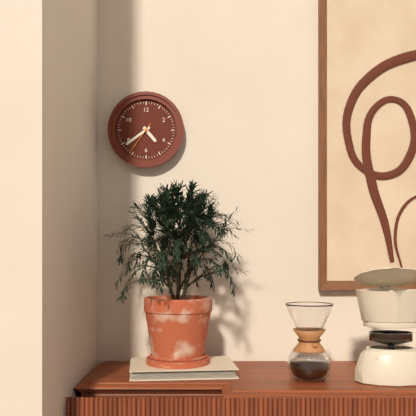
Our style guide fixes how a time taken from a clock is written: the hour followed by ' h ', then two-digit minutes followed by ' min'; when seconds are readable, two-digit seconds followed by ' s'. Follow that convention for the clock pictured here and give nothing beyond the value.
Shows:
4 h 39 min
